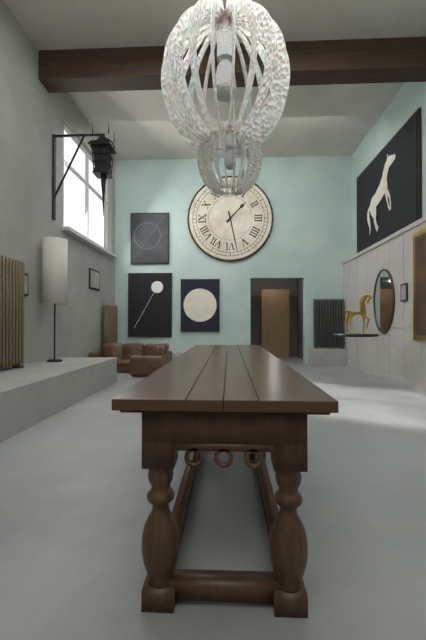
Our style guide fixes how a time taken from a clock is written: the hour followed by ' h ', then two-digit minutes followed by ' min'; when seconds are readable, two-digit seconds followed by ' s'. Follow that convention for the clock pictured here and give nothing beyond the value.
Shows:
1 h 28 min
